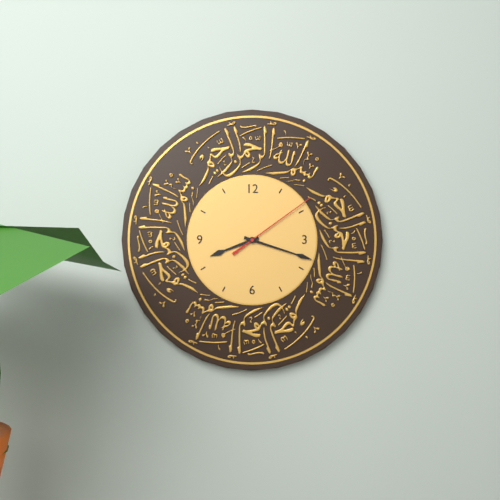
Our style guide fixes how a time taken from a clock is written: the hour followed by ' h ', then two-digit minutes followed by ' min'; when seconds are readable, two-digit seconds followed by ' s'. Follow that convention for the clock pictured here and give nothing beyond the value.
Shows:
8 h 18 min 09 s
